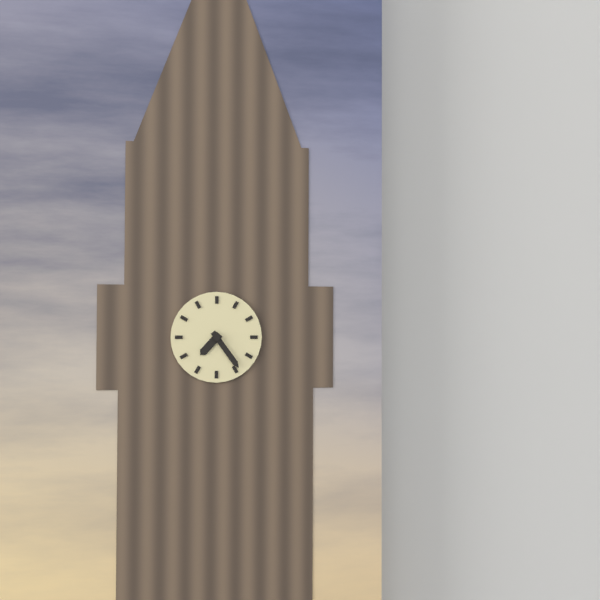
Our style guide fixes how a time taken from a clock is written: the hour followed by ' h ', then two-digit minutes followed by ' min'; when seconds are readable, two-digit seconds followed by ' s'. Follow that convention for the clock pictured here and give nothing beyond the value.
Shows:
7 h 24 min
